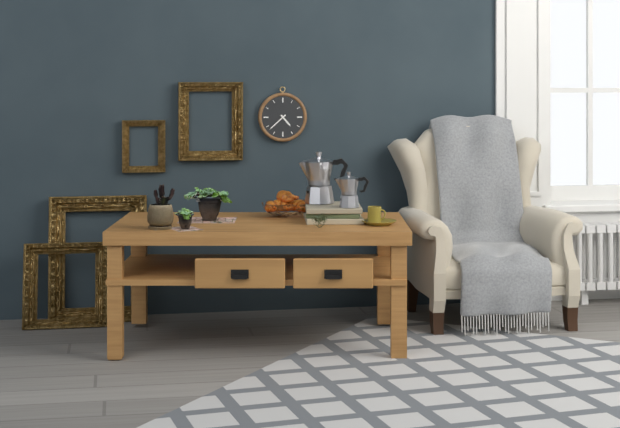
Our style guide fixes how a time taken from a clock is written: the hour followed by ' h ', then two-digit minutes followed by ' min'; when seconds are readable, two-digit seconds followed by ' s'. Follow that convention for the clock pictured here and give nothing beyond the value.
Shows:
4 h 38 min
